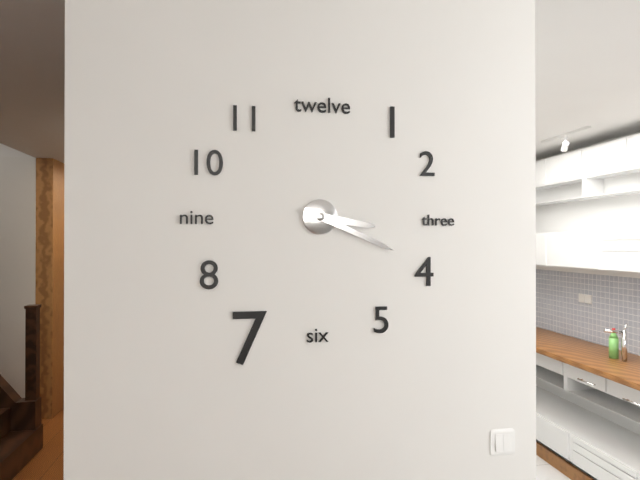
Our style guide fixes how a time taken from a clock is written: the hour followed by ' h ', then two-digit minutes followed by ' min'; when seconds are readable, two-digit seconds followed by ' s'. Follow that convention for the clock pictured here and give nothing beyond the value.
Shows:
3 h 19 min
